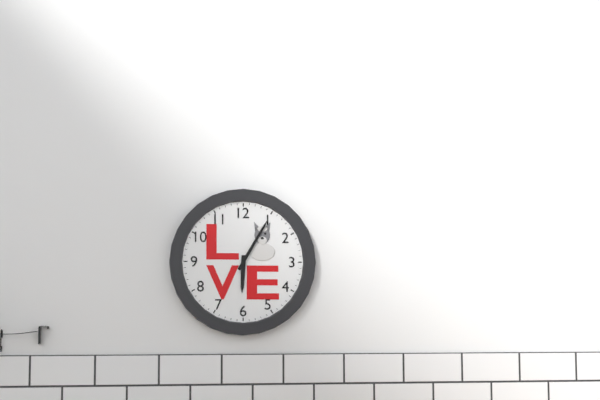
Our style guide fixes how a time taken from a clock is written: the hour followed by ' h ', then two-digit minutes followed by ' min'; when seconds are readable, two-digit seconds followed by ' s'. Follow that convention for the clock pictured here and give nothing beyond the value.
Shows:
6 h 05 min
